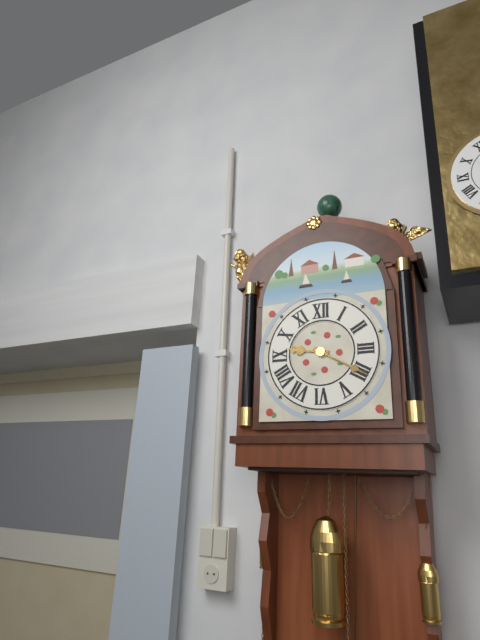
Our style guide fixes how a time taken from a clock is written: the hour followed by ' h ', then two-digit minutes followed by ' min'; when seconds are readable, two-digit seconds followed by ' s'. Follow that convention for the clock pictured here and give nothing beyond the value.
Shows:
9 h 20 min
